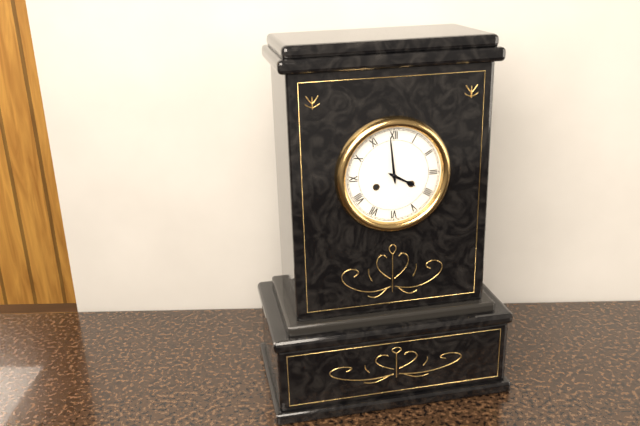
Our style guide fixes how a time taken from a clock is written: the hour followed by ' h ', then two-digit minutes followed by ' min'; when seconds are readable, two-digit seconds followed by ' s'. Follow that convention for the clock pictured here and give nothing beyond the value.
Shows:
3 h 59 min
